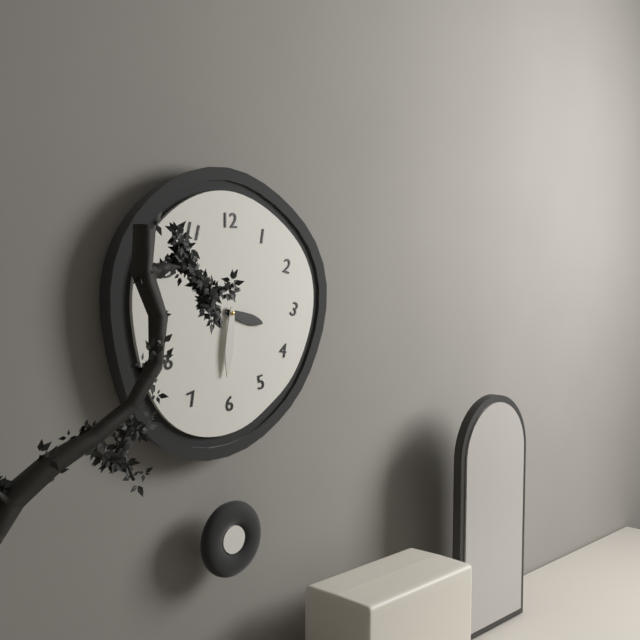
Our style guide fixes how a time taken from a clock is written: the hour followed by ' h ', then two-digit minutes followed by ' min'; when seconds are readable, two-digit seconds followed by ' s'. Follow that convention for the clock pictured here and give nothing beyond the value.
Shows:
3 h 31 min
